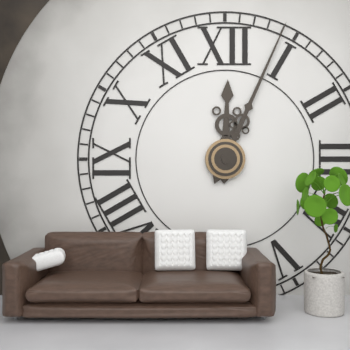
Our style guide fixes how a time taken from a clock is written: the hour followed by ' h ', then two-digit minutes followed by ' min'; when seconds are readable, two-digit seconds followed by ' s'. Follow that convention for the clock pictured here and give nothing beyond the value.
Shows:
12 h 04 min
